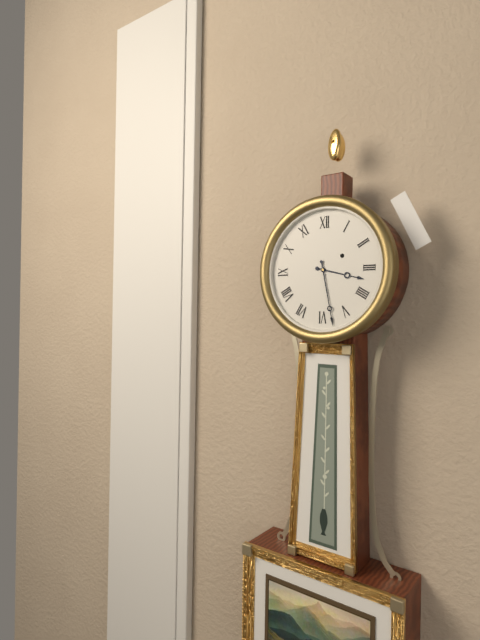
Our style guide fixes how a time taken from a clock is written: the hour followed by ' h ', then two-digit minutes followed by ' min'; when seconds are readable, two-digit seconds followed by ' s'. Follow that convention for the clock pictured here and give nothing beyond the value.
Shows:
3 h 28 min
